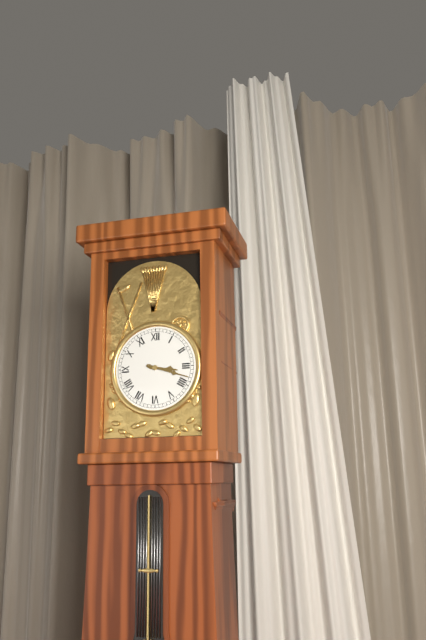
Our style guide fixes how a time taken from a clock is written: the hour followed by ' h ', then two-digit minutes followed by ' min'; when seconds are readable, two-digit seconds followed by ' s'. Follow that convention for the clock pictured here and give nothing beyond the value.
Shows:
3 h 18 min
